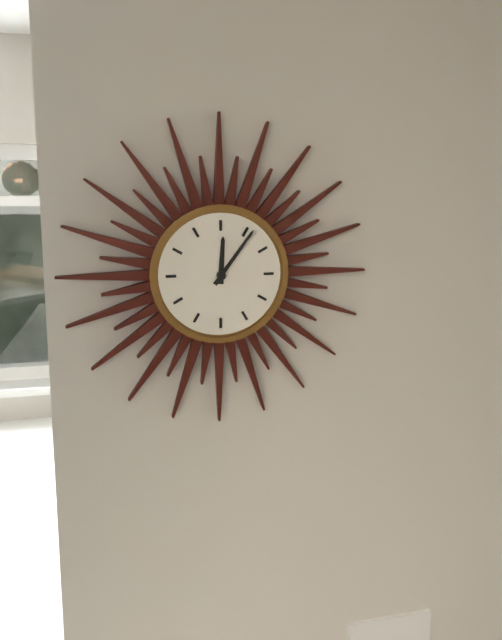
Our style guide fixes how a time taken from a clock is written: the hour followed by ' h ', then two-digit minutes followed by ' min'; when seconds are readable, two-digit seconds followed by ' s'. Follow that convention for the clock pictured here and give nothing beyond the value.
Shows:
12 h 06 min
